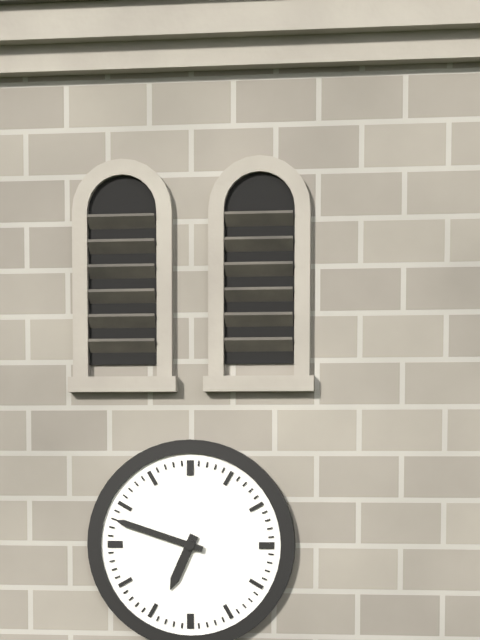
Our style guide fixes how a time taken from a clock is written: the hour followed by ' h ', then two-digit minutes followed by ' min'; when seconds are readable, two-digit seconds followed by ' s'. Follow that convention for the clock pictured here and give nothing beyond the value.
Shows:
6 h 48 min
